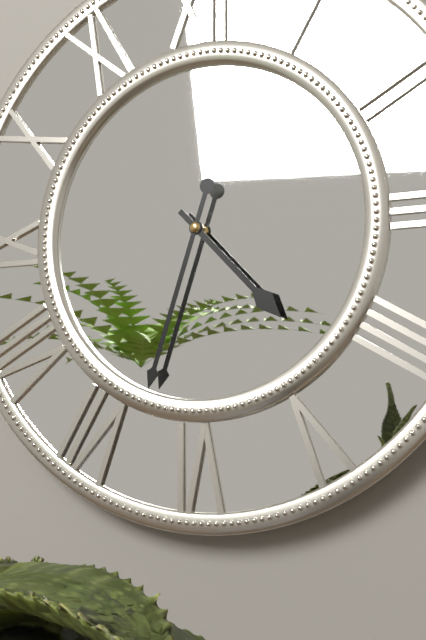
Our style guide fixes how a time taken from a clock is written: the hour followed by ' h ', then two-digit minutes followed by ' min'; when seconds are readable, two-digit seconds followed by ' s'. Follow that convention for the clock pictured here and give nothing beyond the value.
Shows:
4 h 33 min
